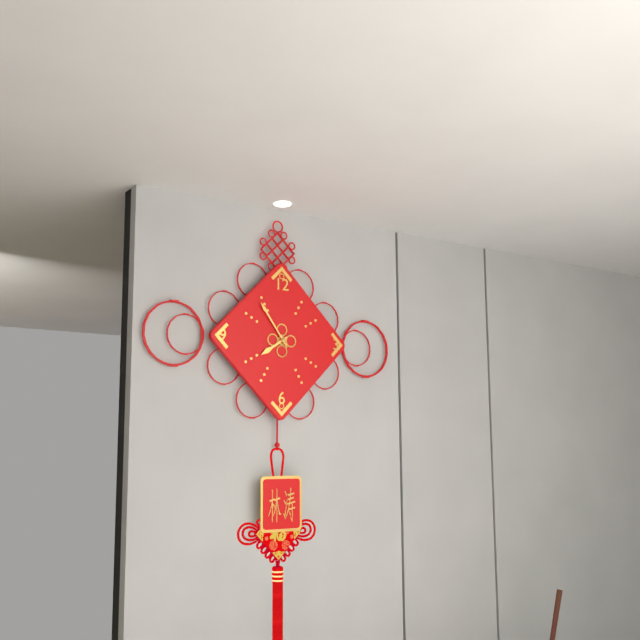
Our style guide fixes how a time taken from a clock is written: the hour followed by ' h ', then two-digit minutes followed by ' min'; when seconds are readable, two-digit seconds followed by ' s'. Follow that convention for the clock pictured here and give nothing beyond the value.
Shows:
7 h 54 min
